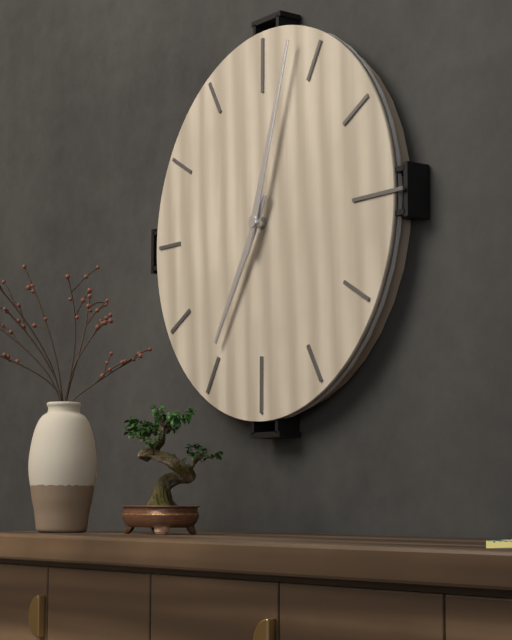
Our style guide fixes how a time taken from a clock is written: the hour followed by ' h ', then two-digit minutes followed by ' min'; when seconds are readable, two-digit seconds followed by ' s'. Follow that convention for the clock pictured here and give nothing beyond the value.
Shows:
7 h 03 min
